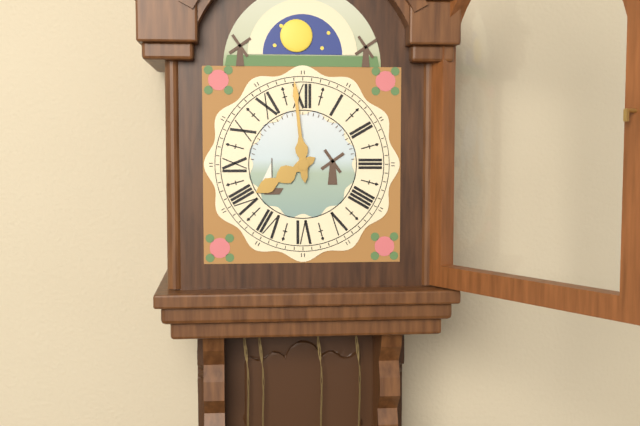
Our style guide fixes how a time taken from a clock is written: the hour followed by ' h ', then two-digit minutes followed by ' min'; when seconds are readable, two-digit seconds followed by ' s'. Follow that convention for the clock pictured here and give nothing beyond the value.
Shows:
7 h 59 min
